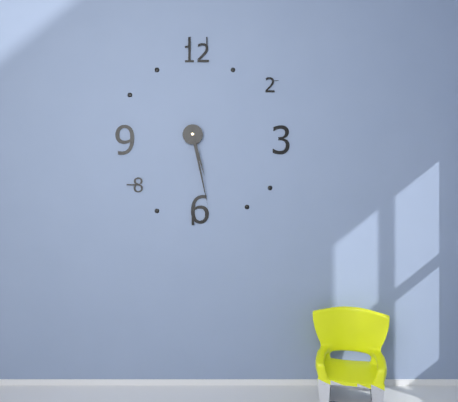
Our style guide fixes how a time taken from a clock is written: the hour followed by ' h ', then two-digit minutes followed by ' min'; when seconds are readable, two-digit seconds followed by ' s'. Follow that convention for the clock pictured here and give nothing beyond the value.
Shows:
5 h 28 min
